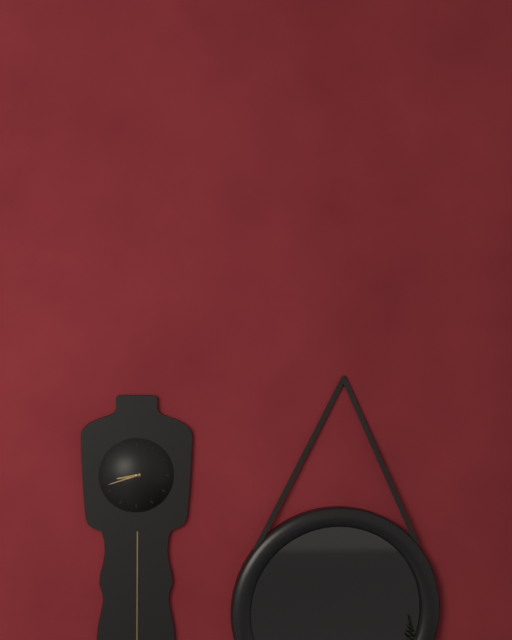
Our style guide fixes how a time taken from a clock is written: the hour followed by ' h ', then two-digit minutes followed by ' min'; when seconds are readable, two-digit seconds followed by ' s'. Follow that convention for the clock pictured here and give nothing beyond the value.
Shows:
8 h 42 min
